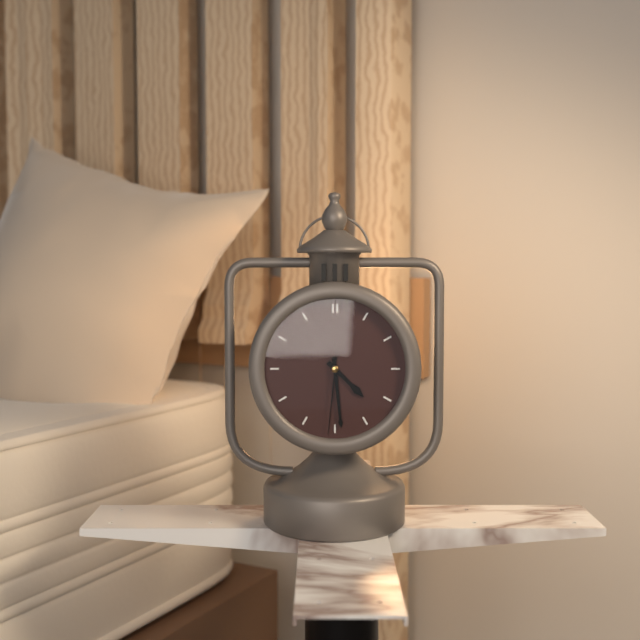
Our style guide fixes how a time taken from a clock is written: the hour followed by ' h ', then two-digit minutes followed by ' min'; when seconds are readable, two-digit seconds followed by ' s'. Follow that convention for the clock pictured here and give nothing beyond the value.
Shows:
4 h 29 min 31 s
